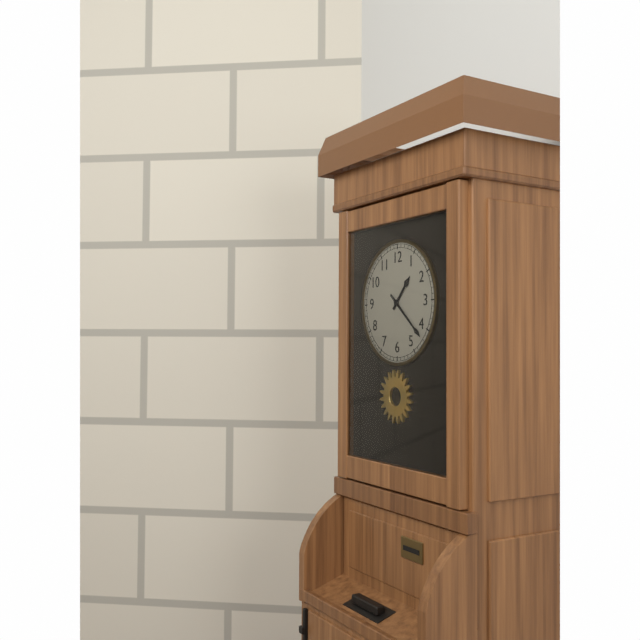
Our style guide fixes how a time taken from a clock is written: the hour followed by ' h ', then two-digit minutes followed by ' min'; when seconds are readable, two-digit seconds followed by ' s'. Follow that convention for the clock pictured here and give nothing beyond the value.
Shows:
1 h 22 min
